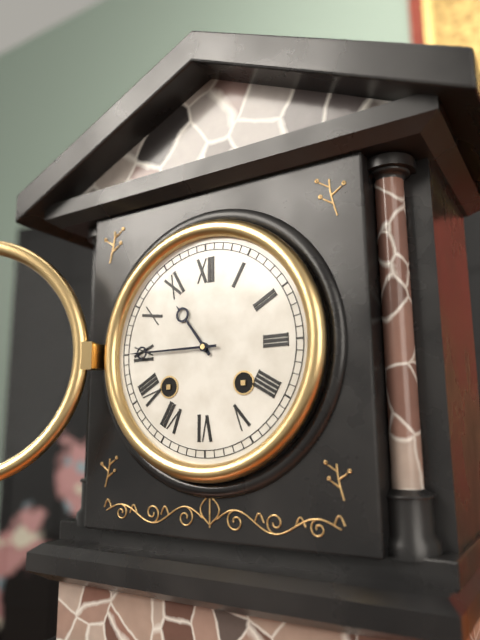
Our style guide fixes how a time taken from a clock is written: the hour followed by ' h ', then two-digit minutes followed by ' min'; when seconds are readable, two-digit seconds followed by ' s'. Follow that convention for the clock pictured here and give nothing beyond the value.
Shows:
10 h 45 min
